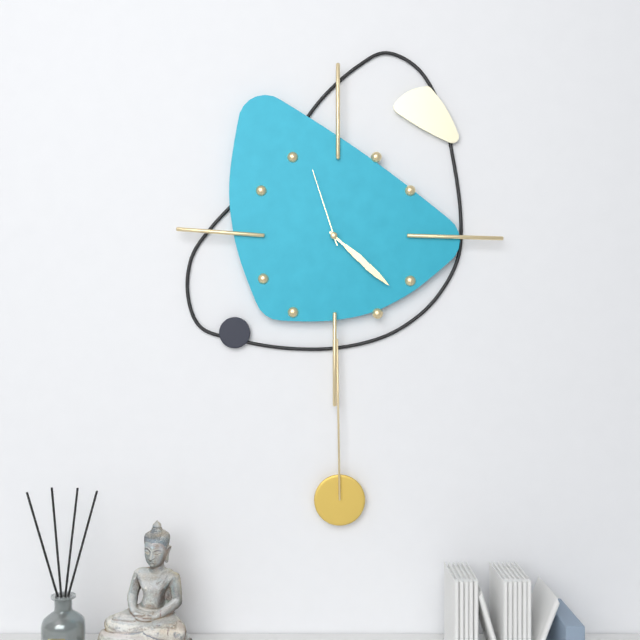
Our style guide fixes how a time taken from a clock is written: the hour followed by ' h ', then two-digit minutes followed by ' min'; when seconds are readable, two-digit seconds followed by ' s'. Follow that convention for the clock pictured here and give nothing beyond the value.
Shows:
4 h 22 min 57 s
